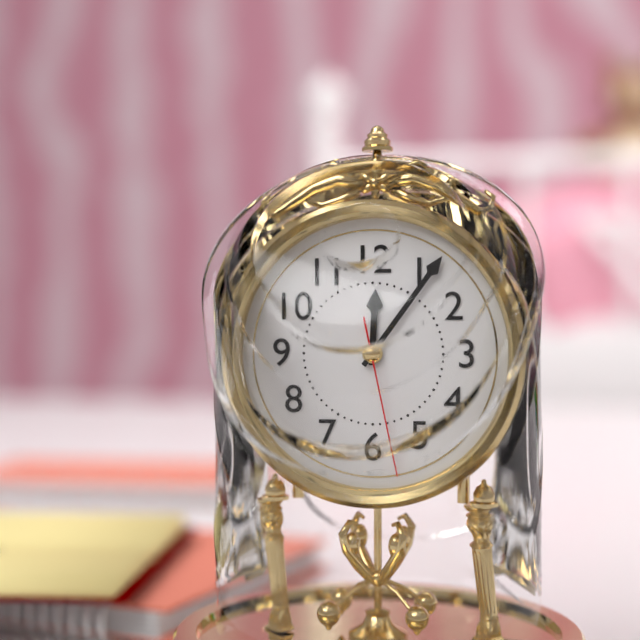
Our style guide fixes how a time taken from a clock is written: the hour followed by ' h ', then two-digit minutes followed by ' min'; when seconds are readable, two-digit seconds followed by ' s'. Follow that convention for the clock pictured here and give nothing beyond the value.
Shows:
12 h 06 min 28 s
